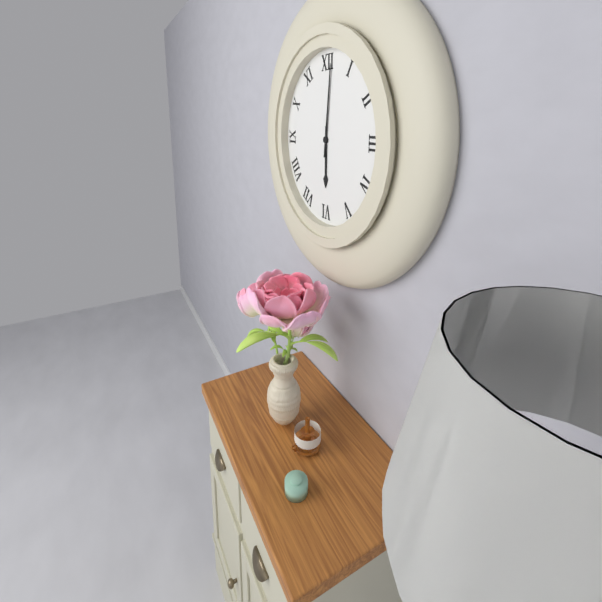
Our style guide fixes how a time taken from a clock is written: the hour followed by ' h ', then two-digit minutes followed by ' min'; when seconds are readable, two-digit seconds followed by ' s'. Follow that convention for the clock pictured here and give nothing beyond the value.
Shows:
6 h 01 min
